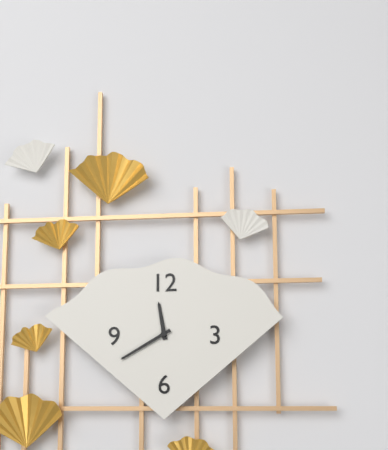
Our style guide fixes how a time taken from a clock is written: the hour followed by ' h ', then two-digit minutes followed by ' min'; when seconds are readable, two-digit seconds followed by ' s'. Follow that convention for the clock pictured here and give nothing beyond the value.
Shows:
11 h 40 min
